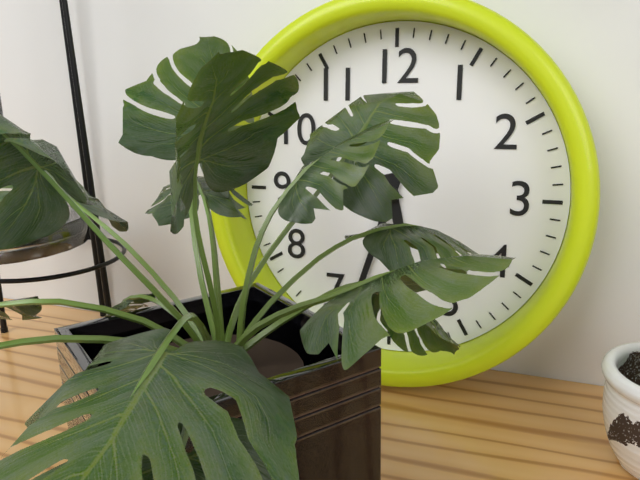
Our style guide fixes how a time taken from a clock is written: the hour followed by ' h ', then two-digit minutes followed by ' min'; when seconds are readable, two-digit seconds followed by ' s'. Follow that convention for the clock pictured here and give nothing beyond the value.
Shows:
5 h 33 min
